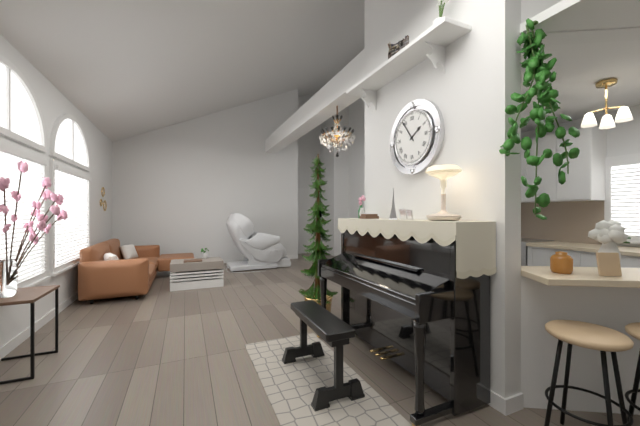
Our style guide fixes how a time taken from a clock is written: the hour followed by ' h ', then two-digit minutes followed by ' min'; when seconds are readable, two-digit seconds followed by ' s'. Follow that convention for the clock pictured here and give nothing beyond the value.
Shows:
1 h 54 min
